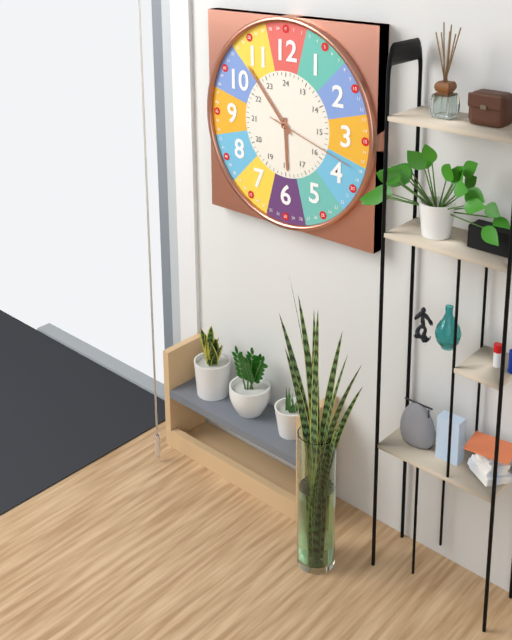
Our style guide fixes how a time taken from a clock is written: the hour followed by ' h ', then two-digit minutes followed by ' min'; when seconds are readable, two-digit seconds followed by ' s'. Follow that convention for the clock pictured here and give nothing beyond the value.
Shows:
5 h 53 min 18 s
